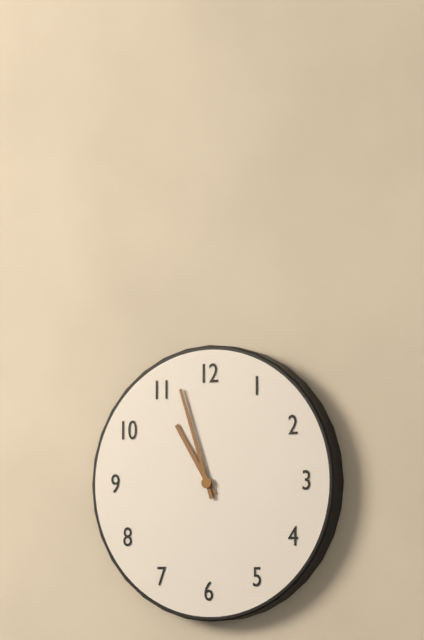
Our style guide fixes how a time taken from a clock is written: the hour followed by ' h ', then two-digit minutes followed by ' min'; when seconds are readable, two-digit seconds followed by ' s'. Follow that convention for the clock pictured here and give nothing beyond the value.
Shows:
10 h 57 min
